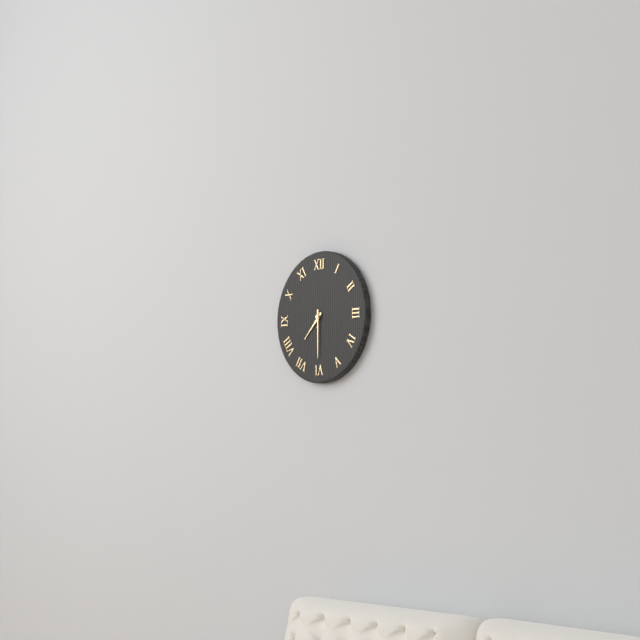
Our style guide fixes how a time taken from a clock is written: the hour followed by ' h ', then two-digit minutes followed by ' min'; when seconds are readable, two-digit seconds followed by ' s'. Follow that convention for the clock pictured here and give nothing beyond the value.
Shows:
7 h 30 min
